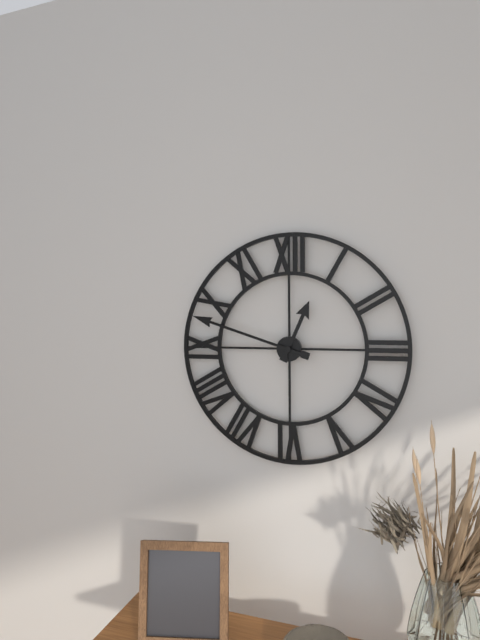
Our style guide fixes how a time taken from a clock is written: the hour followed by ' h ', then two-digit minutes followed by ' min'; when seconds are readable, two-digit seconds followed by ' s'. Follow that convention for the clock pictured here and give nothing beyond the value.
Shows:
12 h 48 min
